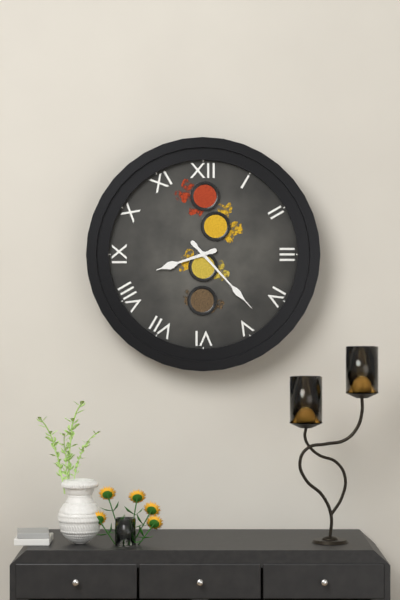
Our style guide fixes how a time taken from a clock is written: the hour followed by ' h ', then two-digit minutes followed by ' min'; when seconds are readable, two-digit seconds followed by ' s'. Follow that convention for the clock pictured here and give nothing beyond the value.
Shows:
8 h 23 min
